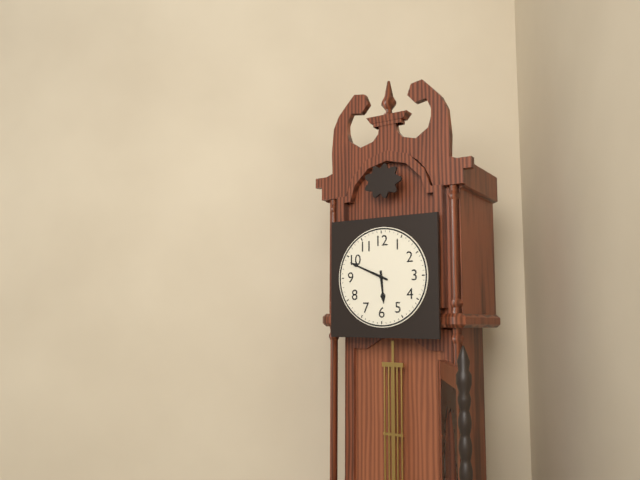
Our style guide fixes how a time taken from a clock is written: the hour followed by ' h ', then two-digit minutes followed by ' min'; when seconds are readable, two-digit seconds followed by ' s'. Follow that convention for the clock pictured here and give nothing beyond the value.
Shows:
5 h 49 min
